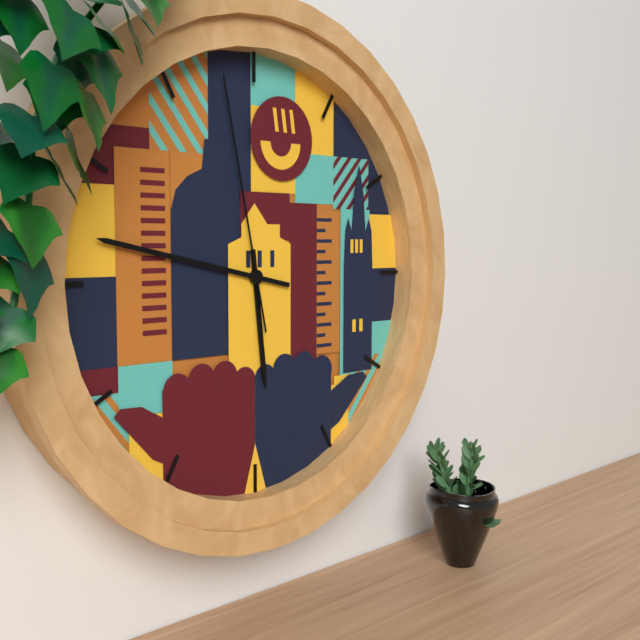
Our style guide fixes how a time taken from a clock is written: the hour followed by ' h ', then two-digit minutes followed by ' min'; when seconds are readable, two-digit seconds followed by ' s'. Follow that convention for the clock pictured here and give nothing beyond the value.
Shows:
5 h 47 min 58 s
